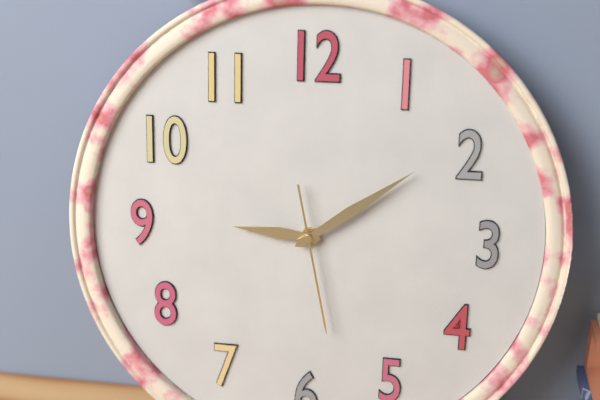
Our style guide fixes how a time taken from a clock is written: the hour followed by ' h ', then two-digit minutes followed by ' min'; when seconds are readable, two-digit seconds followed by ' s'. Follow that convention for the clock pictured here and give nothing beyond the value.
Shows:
9 h 09 min 28 s
